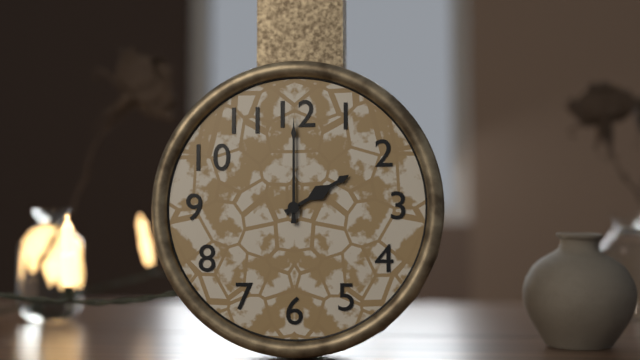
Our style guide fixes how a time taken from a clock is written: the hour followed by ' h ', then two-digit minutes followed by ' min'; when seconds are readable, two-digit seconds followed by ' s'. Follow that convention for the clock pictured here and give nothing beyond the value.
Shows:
2 h 00 min
